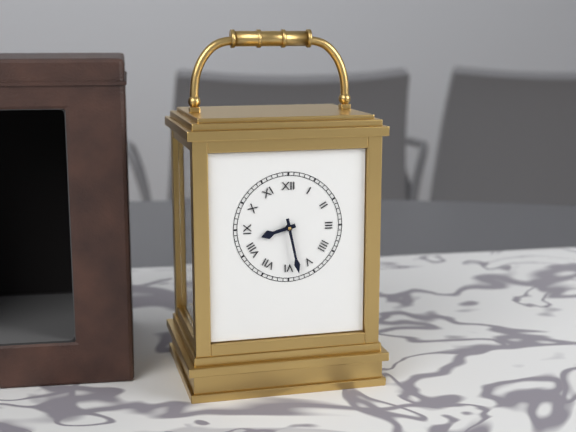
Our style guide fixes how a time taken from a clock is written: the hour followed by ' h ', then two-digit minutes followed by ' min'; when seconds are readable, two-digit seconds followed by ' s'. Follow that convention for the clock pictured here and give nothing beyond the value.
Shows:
8 h 28 min
